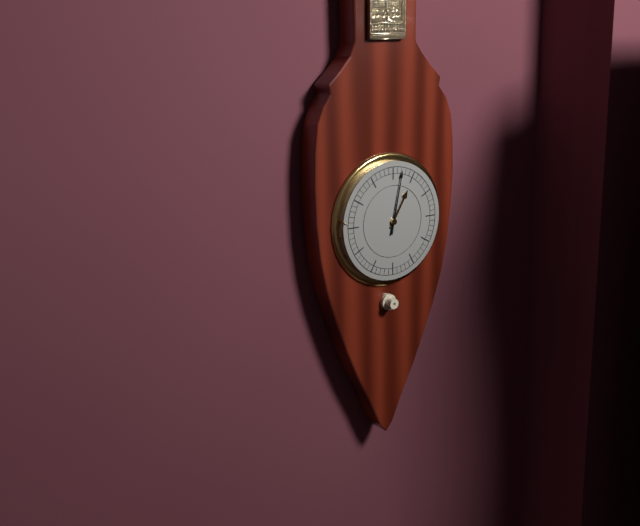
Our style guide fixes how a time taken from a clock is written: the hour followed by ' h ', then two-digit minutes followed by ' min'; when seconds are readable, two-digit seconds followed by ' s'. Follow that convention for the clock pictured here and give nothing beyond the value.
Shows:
1 h 02 min
